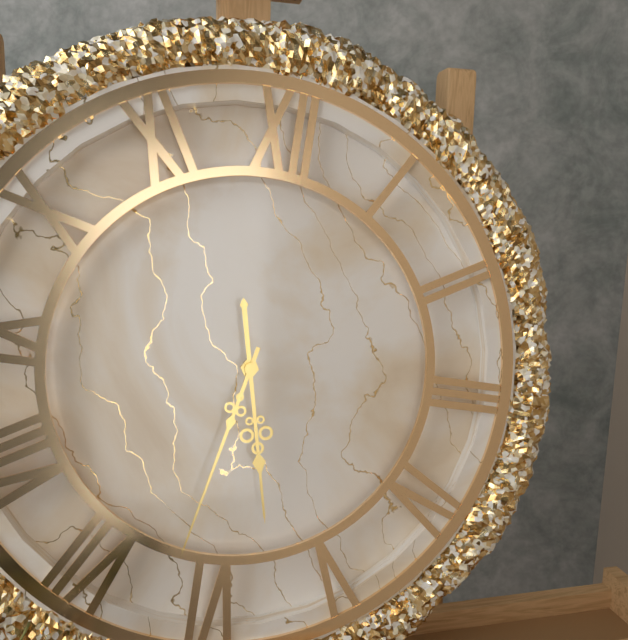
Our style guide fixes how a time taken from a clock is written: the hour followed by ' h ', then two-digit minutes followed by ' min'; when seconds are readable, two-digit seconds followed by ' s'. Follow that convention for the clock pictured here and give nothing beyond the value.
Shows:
5 h 32 min
